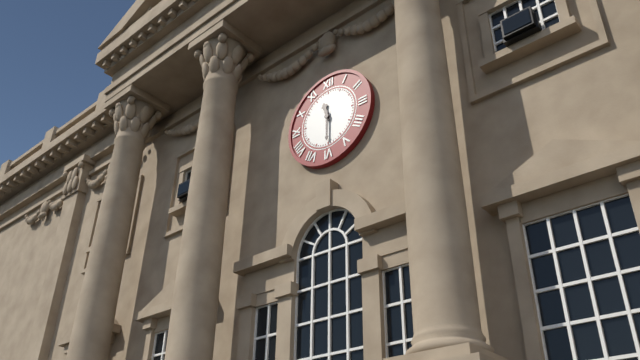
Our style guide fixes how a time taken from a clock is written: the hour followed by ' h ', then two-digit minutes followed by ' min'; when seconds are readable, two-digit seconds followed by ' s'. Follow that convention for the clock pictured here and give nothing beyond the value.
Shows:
11 h 30 min
